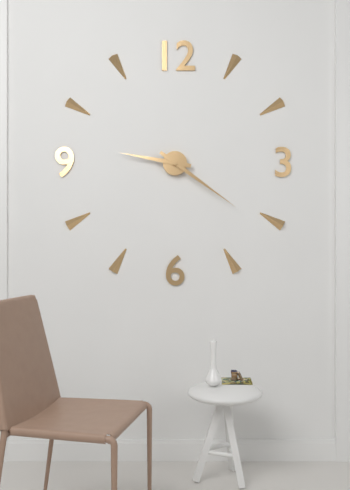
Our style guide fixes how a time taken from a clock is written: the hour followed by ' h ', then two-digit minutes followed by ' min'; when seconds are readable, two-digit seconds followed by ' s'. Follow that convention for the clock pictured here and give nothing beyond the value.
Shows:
9 h 21 min
